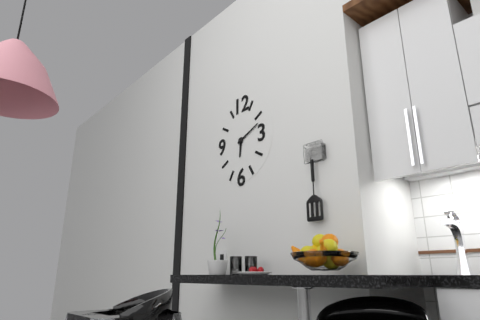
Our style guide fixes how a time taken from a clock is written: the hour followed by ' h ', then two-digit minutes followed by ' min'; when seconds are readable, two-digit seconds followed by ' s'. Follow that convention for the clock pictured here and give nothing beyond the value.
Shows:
6 h 11 min
